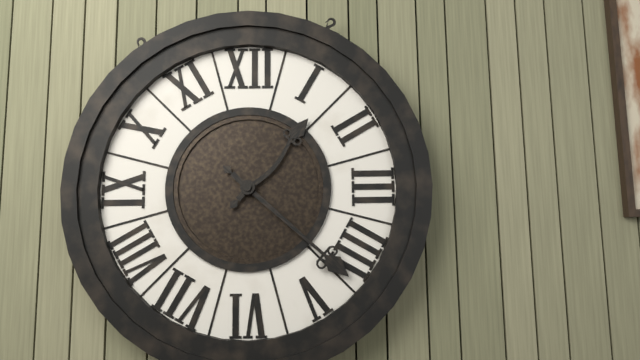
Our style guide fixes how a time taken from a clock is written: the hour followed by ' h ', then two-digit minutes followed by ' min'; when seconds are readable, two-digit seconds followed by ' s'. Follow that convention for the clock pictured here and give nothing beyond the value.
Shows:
1 h 22 min
